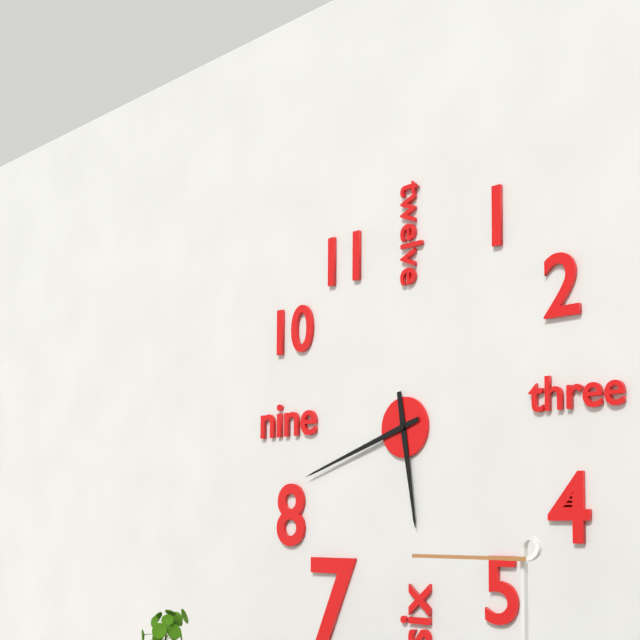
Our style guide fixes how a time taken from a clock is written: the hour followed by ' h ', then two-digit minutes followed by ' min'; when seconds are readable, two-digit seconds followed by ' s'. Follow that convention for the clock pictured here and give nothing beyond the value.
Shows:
5 h 42 min
